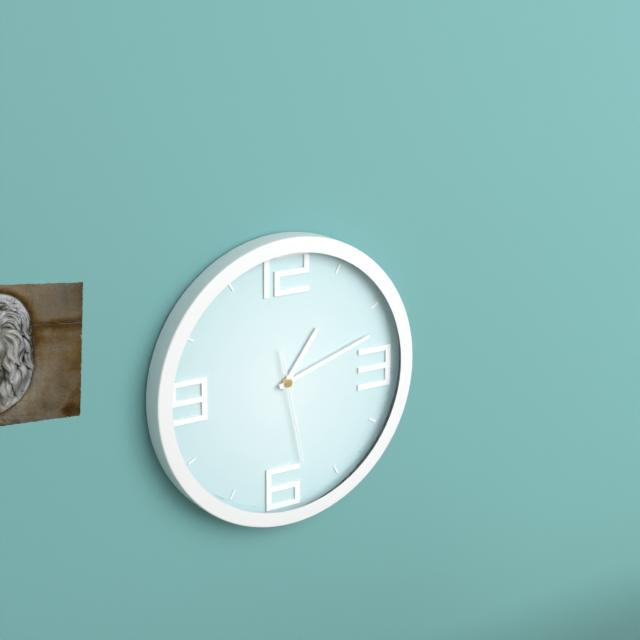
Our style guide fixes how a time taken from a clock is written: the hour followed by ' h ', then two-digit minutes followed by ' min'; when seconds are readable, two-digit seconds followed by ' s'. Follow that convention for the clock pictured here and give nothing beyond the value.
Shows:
1 h 12 min 28 s
